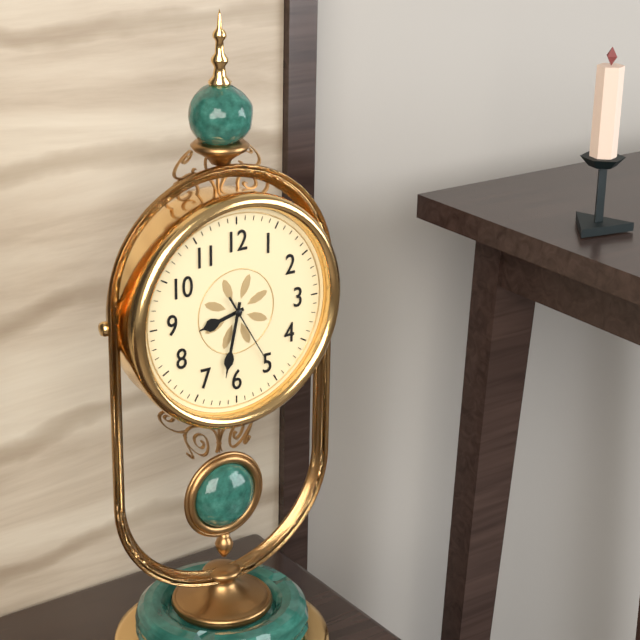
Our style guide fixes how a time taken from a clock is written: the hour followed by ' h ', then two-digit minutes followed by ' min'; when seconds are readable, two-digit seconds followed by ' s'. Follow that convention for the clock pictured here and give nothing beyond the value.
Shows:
8 h 32 min 25 s
